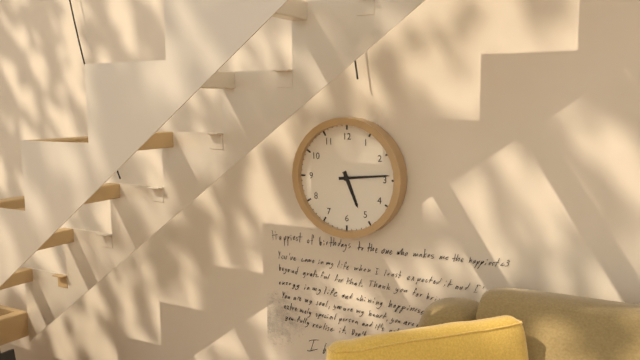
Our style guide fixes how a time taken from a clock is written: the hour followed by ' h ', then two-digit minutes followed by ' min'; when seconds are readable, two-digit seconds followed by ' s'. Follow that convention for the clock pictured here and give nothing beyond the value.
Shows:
5 h 14 min
